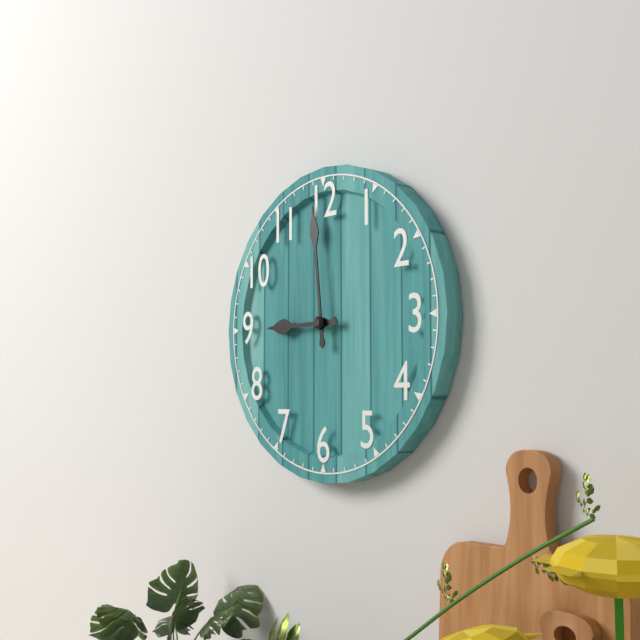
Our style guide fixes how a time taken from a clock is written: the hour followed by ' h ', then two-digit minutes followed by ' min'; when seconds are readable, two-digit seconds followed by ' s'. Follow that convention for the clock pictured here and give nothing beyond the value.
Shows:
8 h 59 min
